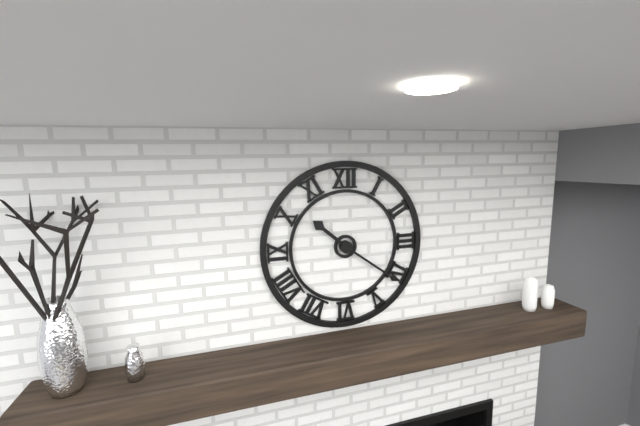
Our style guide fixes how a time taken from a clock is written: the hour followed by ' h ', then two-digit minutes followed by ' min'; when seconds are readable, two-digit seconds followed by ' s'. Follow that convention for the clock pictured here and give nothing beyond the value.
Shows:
10 h 21 min
